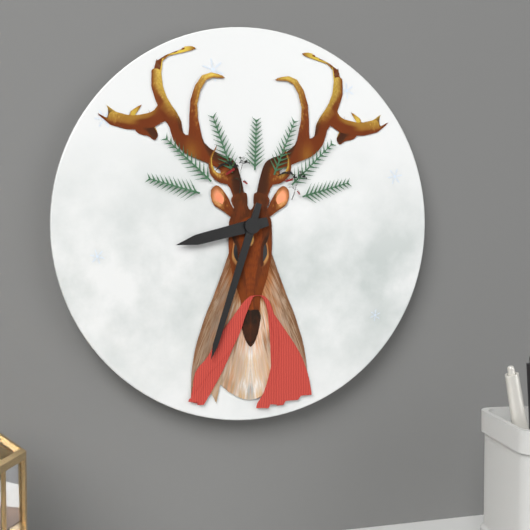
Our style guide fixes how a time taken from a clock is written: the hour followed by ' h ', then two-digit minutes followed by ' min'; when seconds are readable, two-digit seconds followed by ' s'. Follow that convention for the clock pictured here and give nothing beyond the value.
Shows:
8 h 33 min
